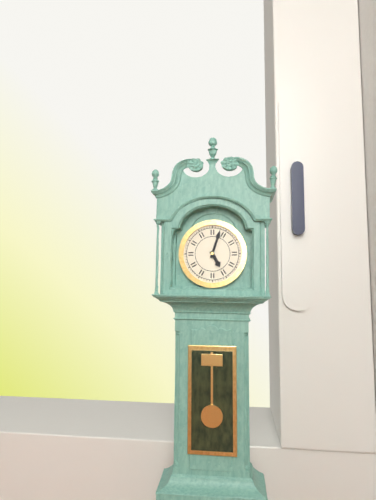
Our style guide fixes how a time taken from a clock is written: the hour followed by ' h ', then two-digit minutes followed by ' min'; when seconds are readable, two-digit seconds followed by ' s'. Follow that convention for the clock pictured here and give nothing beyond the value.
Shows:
5 h 03 min
